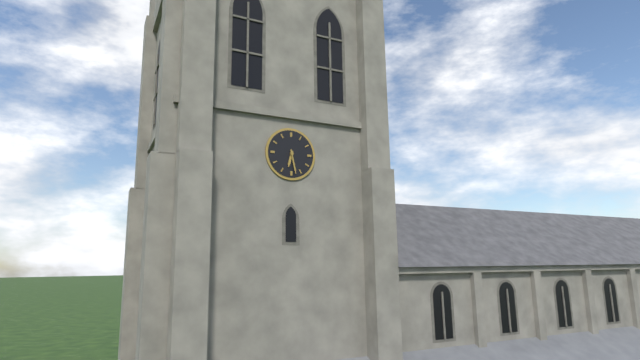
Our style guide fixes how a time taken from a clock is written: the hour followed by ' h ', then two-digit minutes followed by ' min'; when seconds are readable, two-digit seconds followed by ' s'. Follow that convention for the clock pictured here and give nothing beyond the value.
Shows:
6 h 28 min
